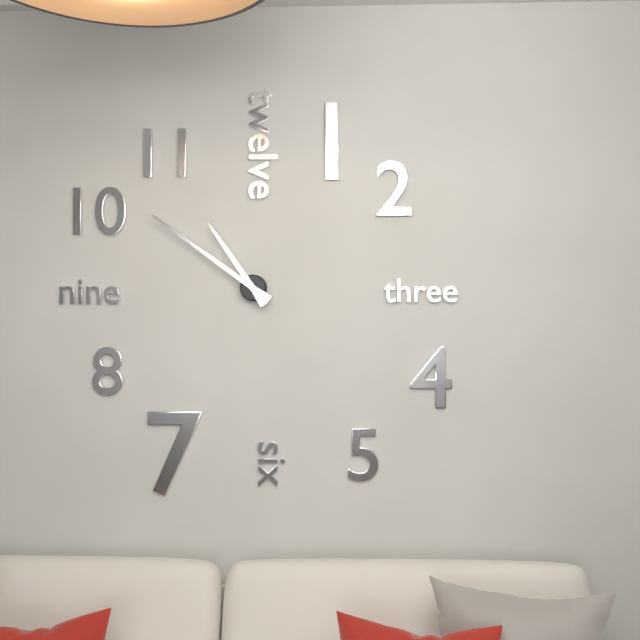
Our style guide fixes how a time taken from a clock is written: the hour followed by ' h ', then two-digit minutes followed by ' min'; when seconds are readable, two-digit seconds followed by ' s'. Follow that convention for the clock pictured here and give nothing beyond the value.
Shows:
10 h 51 min
